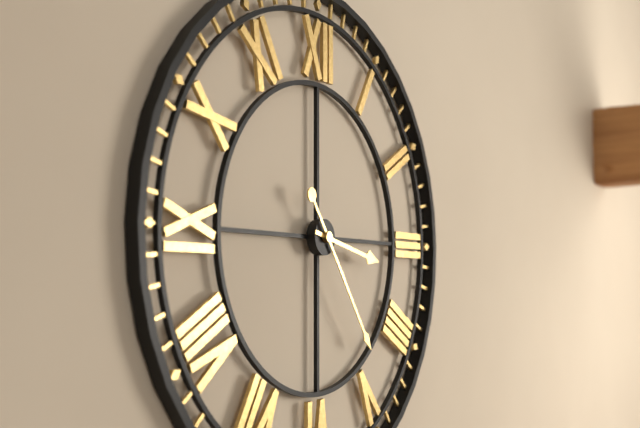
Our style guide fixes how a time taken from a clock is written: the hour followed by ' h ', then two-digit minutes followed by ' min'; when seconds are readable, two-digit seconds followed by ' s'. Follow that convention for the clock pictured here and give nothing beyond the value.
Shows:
3 h 24 min
